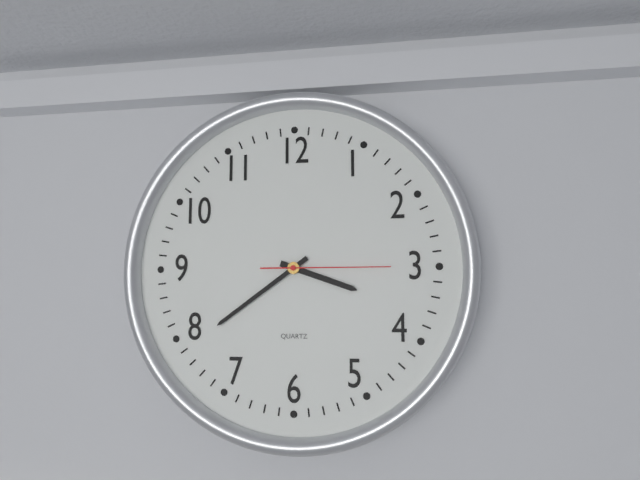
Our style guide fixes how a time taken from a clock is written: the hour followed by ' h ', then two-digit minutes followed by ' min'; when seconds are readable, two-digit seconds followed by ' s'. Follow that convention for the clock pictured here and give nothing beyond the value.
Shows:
3 h 39 min 15 s
